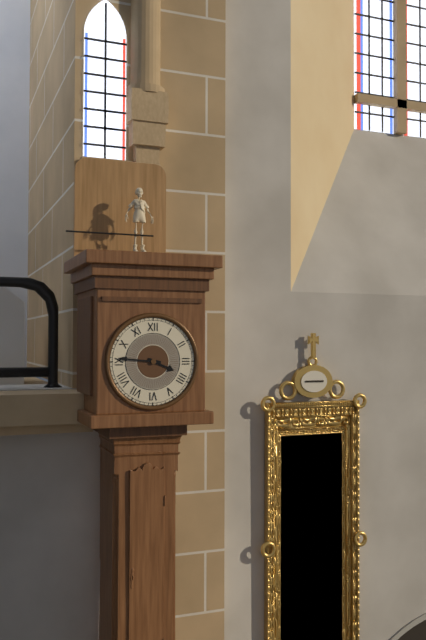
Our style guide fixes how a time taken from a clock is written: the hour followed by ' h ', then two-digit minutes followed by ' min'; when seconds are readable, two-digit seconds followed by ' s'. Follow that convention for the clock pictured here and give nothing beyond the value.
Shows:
3 h 46 min
